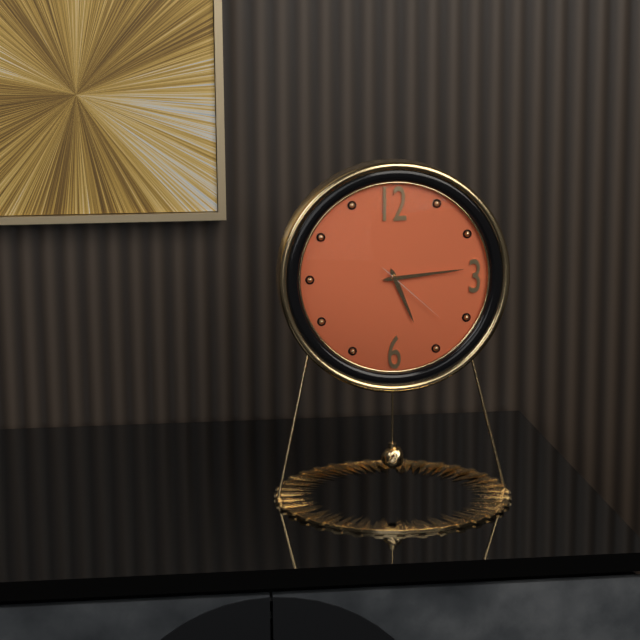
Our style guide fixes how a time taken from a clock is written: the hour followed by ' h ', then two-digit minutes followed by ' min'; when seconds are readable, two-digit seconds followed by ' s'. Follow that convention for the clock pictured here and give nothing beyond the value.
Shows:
5 h 14 min 22 s
